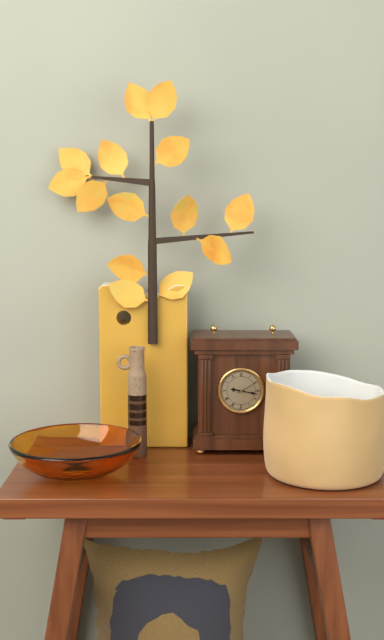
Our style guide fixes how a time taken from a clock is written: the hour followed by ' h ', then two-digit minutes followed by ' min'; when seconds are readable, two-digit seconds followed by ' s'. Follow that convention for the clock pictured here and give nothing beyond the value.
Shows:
9 h 17 min
